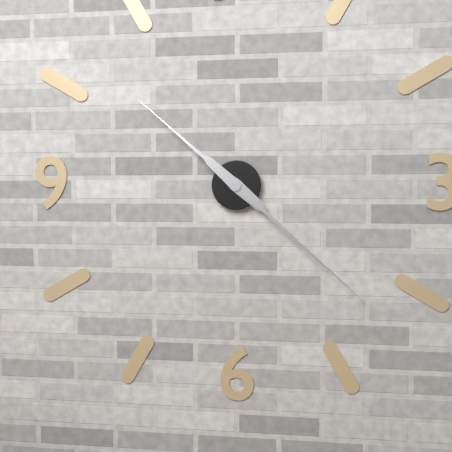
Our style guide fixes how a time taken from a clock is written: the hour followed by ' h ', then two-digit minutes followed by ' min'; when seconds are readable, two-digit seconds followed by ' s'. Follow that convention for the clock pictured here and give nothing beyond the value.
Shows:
10 h 22 min
